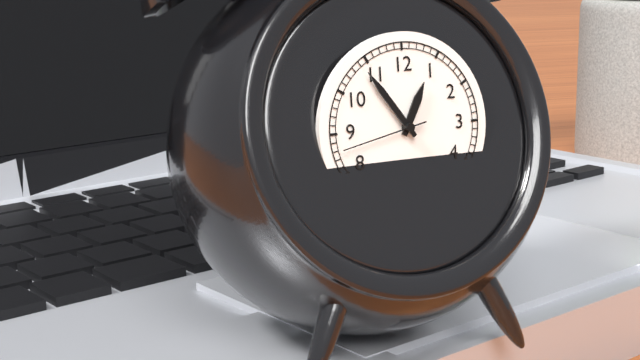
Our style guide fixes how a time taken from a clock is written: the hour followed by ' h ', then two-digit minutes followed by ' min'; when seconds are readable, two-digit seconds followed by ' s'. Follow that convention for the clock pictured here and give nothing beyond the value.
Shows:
12 h 54 min 43 s
